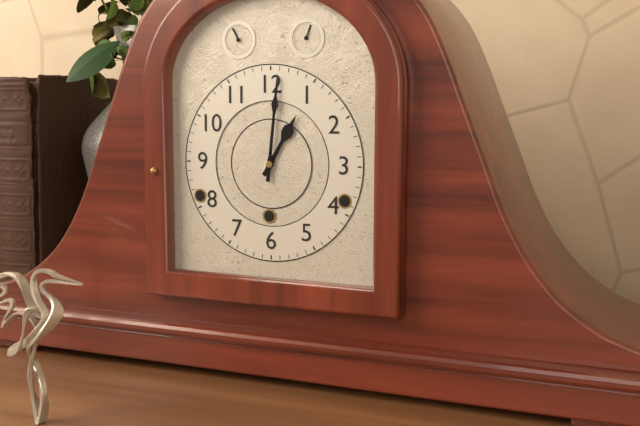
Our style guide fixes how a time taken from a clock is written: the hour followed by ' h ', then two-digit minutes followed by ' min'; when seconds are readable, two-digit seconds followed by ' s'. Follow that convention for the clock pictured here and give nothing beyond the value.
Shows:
1 h 01 min
